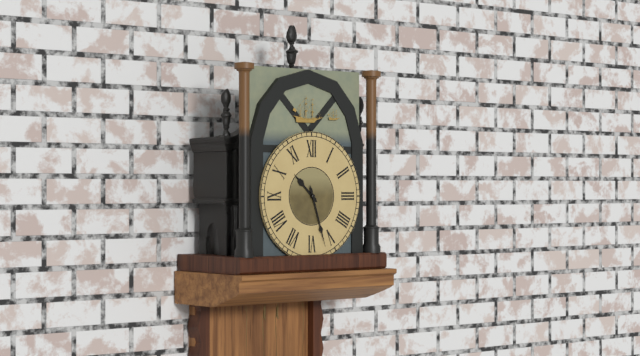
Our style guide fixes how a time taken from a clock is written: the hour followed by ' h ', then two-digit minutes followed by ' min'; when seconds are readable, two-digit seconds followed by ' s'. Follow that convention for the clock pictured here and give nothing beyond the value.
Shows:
10 h 27 min
